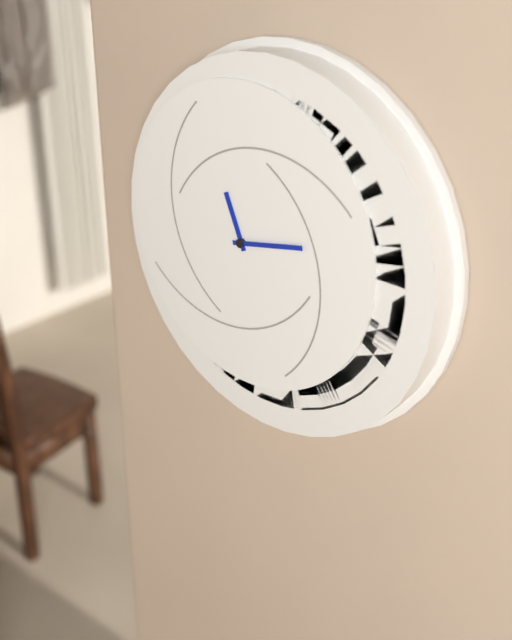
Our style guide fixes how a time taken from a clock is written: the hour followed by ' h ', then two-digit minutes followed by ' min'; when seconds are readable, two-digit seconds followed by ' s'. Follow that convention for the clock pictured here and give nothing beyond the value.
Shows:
11 h 13 min
